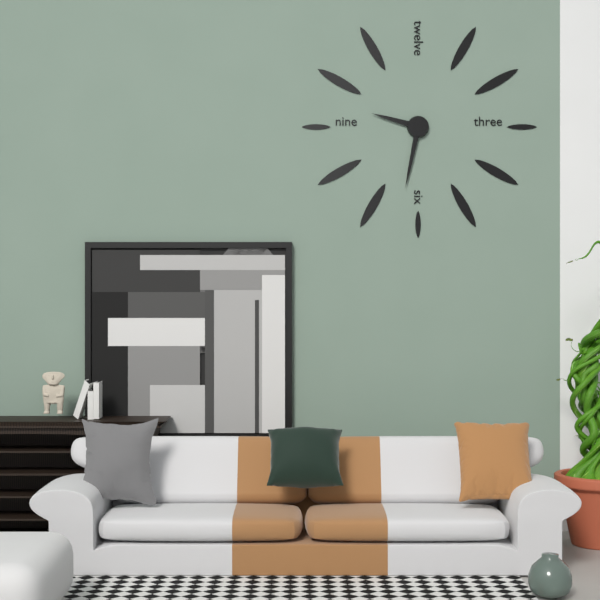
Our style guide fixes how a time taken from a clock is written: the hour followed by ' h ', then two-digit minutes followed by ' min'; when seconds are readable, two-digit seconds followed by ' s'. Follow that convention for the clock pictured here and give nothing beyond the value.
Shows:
9 h 32 min
